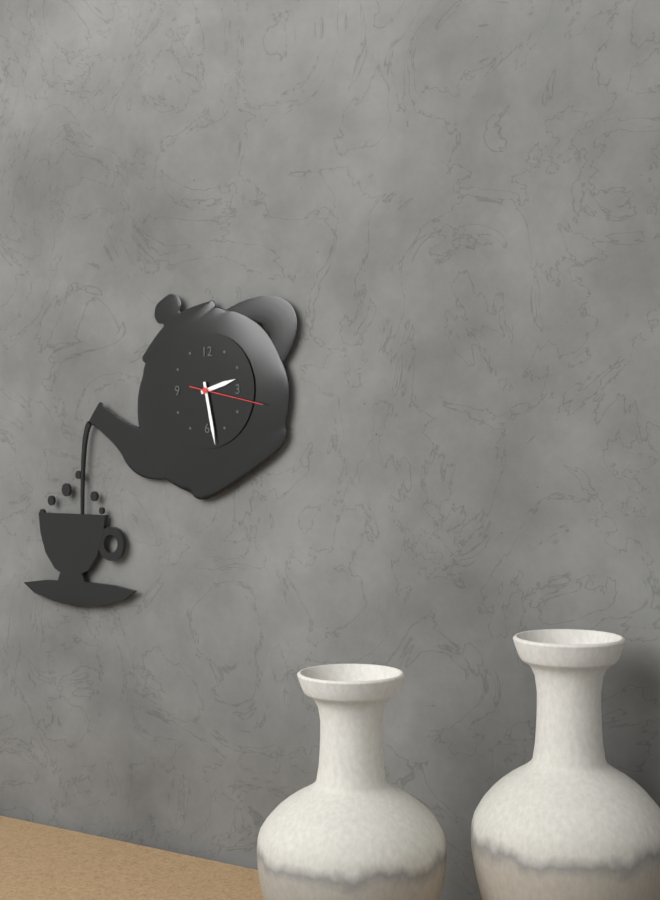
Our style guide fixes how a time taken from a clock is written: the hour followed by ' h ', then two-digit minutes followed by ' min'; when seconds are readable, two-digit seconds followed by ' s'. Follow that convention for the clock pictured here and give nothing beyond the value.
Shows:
2 h 28 min 17 s
